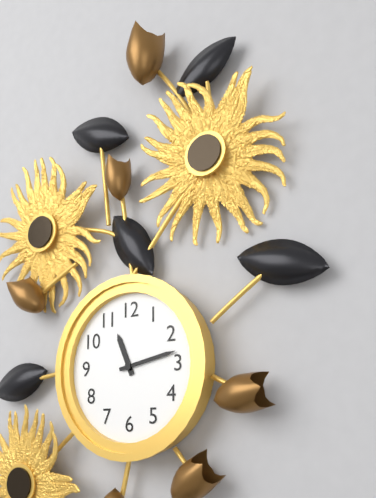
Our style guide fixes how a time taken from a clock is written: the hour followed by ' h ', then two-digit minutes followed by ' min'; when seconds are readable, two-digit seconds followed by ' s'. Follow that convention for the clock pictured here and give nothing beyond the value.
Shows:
11 h 13 min
